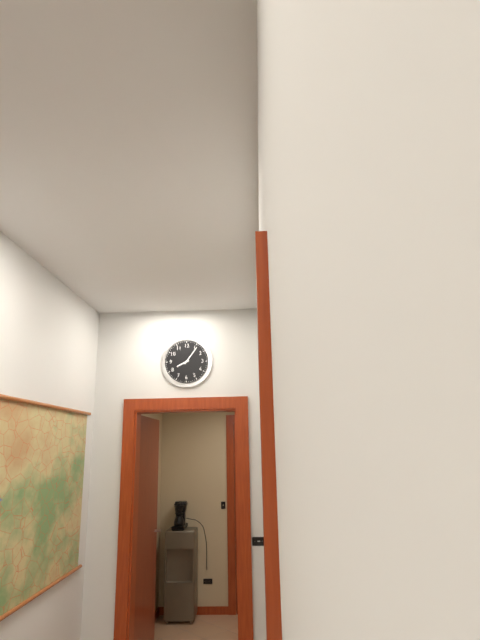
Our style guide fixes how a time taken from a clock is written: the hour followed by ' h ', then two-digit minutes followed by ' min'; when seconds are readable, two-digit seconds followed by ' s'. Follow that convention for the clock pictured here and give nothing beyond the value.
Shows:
8 h 06 min
